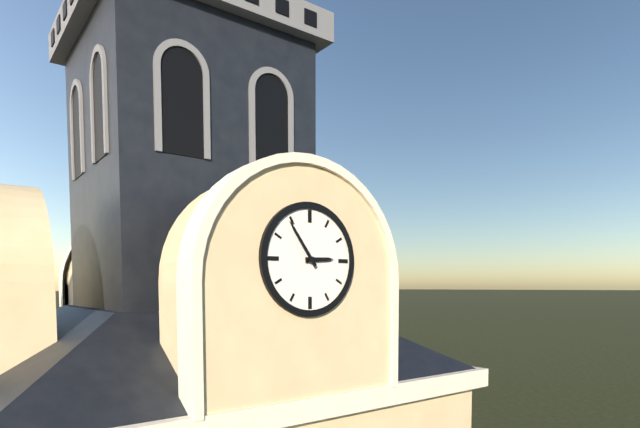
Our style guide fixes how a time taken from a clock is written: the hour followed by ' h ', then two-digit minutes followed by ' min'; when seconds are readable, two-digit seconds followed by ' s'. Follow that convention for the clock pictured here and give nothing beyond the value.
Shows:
2 h 54 min
